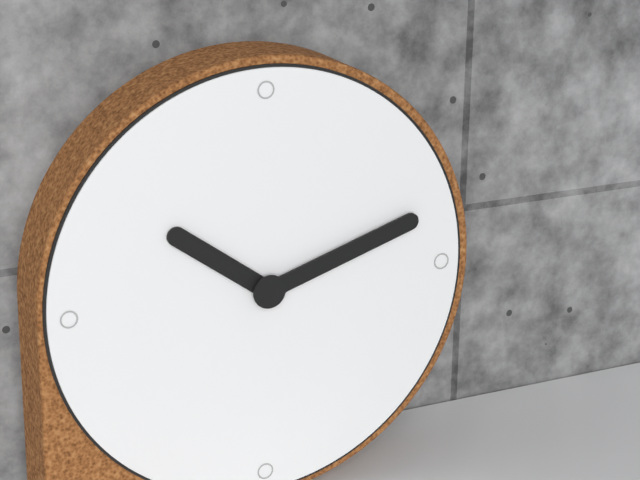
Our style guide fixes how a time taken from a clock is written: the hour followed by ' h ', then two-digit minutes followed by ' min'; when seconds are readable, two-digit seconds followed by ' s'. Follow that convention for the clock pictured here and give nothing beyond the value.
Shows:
10 h 12 min
